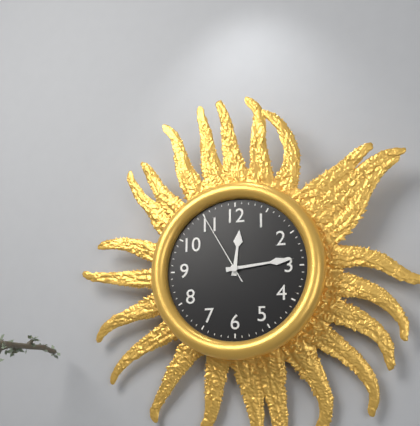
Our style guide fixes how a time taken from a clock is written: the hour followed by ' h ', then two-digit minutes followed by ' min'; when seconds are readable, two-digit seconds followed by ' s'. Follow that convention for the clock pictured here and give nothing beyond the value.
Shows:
12 h 14 min 55 s
